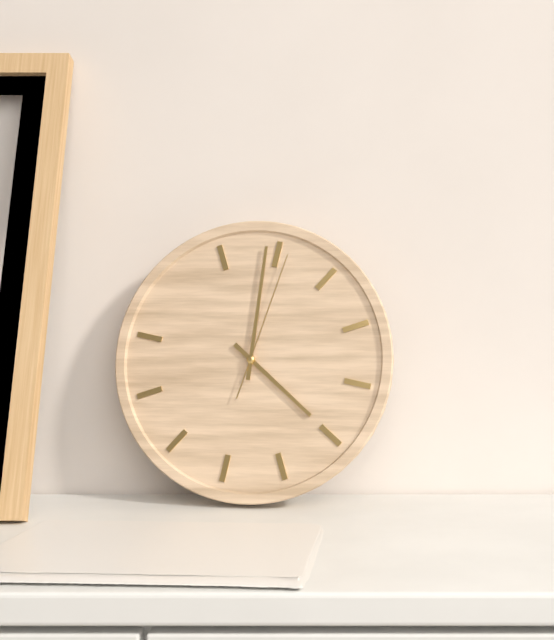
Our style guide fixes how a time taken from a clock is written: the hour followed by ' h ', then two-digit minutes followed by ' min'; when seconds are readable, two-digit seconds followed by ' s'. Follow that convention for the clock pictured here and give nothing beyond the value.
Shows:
3 h 59 min 01 s
